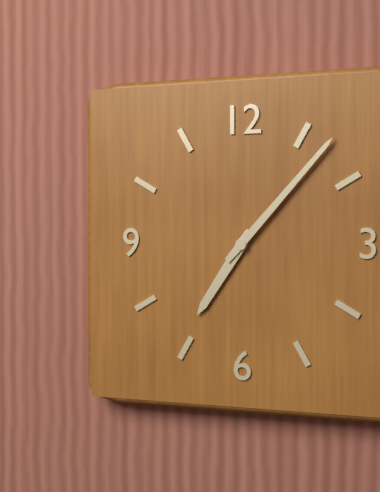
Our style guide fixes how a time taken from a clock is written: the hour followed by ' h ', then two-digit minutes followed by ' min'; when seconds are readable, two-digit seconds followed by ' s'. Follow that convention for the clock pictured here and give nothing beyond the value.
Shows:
7 h 07 min
